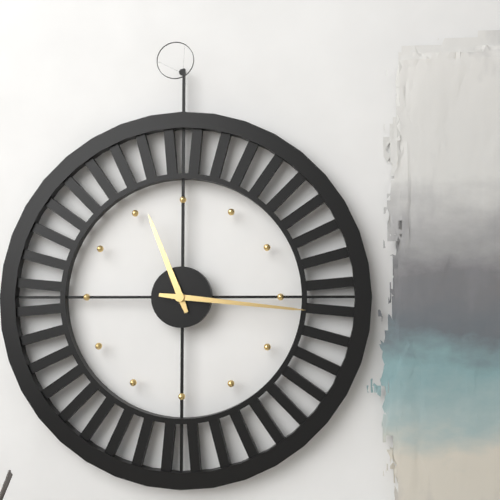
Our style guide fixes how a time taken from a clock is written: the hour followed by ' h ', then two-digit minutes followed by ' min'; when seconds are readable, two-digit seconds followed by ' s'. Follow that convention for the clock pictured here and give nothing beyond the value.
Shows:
11 h 16 min
